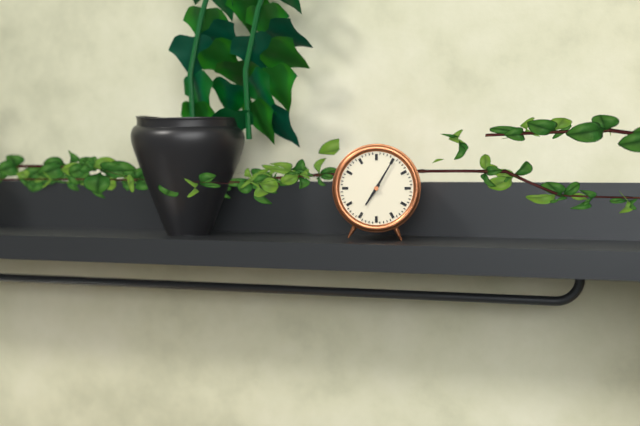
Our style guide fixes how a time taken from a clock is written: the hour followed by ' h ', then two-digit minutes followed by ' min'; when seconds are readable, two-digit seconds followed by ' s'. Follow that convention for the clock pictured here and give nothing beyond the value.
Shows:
7 h 05 min
